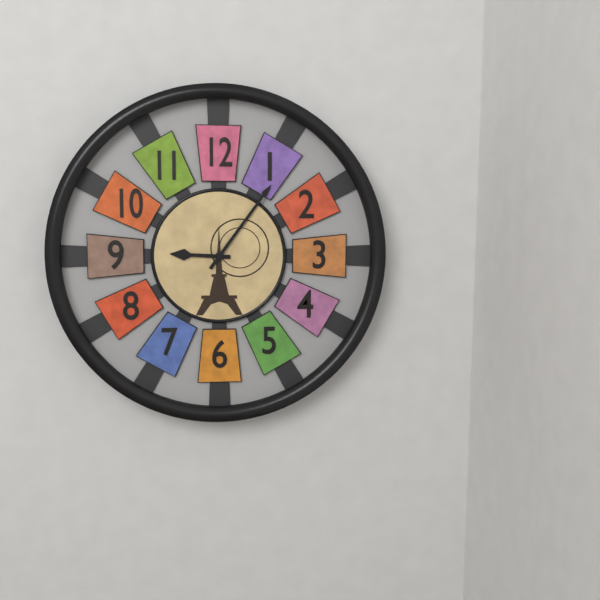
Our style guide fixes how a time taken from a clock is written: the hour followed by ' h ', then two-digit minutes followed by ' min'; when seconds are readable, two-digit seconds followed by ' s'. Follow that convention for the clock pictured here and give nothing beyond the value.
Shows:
9 h 06 min
